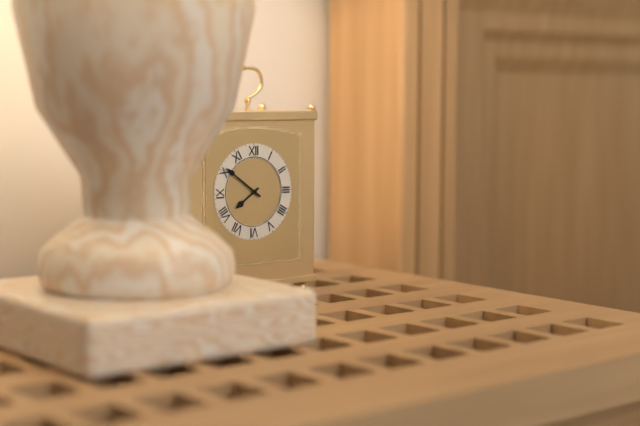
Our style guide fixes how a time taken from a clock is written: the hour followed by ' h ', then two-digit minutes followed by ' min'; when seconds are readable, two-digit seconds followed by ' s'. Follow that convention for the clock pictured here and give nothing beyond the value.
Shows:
7 h 51 min
